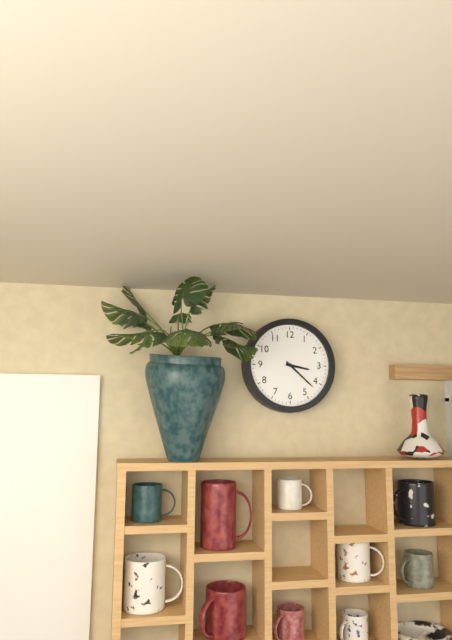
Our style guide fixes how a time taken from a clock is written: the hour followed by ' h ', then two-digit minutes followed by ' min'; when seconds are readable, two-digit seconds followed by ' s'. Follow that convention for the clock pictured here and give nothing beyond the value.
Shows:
3 h 22 min
